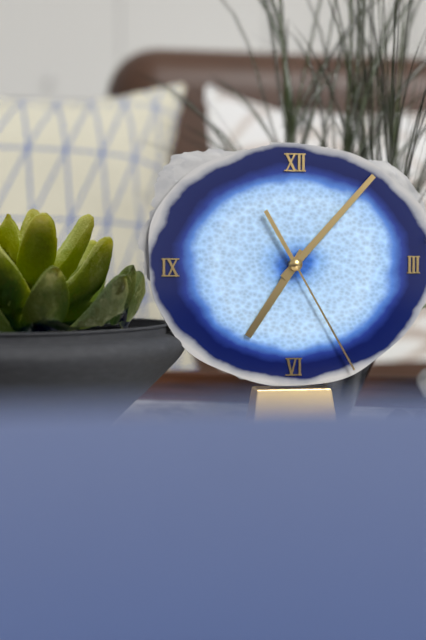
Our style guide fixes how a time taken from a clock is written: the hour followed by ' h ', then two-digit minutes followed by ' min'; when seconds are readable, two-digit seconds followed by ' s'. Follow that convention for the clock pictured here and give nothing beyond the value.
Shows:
7 h 07 min 25 s
